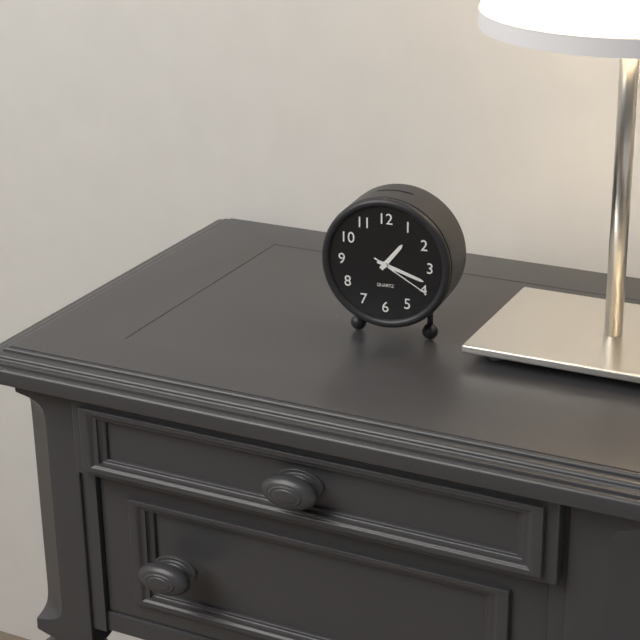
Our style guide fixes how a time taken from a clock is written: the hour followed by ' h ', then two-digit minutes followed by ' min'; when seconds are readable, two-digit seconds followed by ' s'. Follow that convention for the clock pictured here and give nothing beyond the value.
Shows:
1 h 18 min 20 s
